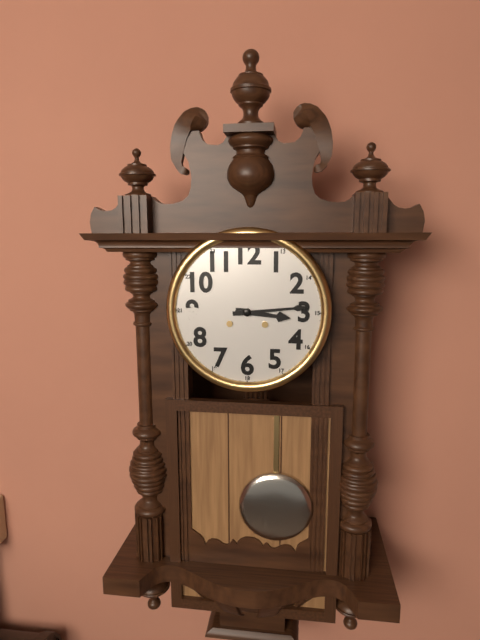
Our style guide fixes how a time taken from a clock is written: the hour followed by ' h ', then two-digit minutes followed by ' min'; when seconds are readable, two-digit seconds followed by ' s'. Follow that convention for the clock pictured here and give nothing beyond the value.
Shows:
3 h 14 min
